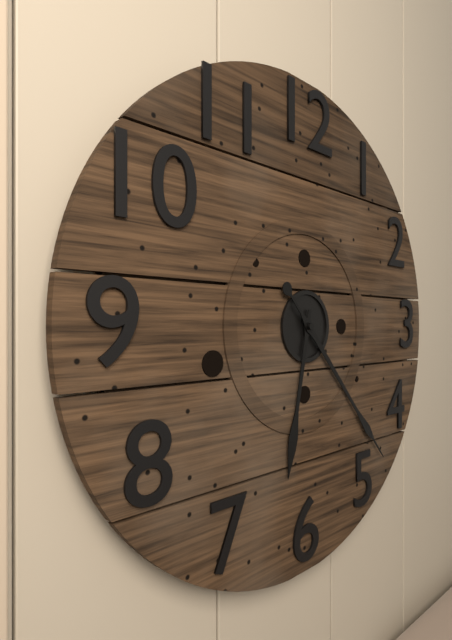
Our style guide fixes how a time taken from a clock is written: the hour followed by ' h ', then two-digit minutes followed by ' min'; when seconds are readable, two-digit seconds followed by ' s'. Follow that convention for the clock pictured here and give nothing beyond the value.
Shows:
6 h 23 min
